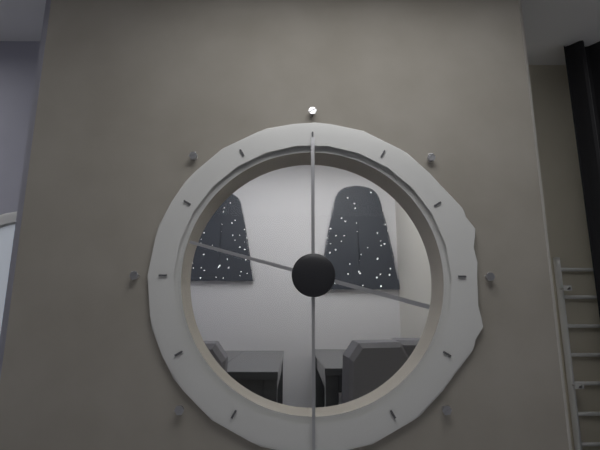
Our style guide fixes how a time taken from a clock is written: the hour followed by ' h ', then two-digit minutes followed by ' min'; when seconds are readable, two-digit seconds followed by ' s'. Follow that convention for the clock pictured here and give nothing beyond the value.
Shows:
9 h 30 min
